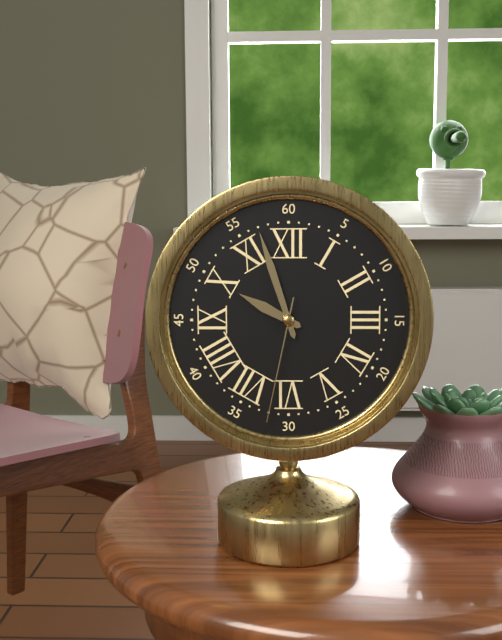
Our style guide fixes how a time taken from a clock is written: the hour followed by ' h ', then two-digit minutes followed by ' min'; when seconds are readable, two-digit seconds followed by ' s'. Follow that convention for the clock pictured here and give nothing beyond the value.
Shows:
9 h 57 min 32 s
